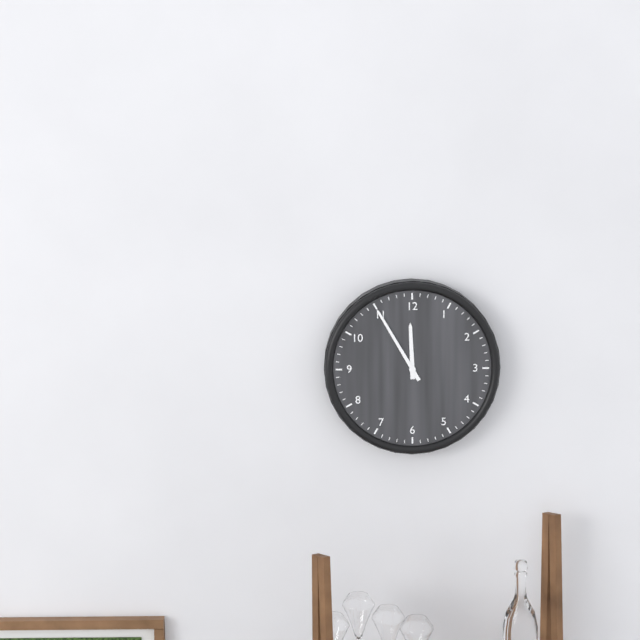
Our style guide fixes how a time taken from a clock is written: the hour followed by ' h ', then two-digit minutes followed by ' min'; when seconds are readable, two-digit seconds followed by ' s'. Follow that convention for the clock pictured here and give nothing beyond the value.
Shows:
11 h 55 min
